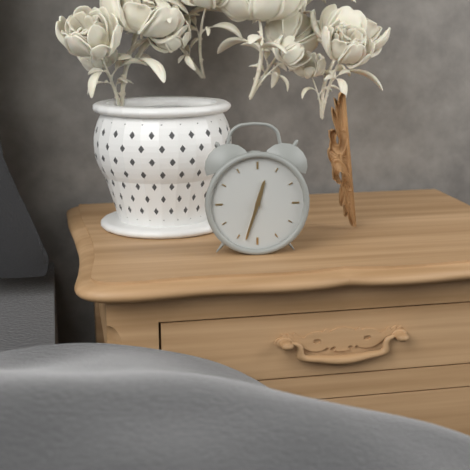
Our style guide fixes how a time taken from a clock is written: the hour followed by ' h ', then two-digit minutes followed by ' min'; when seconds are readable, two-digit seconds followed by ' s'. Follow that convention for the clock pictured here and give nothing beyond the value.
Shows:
12 h 33 min
